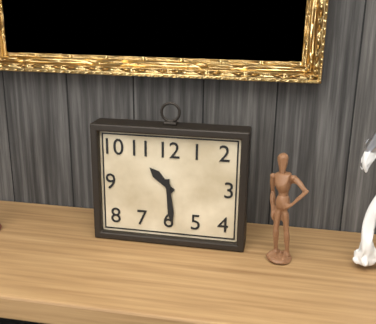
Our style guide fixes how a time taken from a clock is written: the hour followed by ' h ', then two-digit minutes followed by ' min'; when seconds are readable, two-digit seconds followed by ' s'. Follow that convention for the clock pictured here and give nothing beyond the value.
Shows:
10 h 29 min
